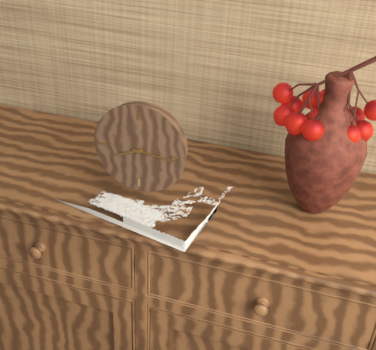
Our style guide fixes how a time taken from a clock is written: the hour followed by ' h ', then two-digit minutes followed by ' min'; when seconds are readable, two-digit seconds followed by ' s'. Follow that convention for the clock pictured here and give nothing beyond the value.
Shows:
8 h 16 min
